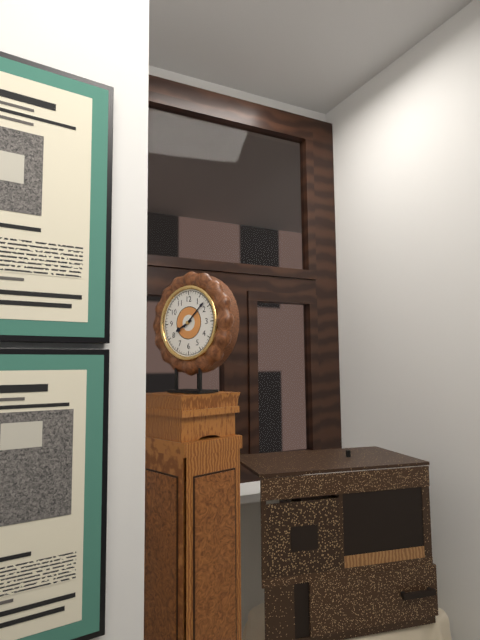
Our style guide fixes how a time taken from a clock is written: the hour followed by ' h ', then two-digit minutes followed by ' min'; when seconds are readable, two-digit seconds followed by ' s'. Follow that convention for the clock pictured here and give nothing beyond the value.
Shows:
8 h 08 min
